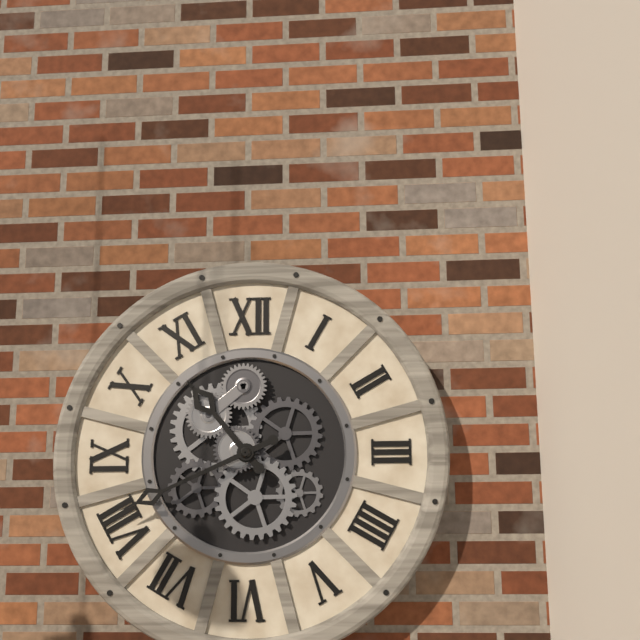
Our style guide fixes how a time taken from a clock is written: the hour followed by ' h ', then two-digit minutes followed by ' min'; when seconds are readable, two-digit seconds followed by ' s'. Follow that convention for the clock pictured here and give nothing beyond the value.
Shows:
10 h 41 min
